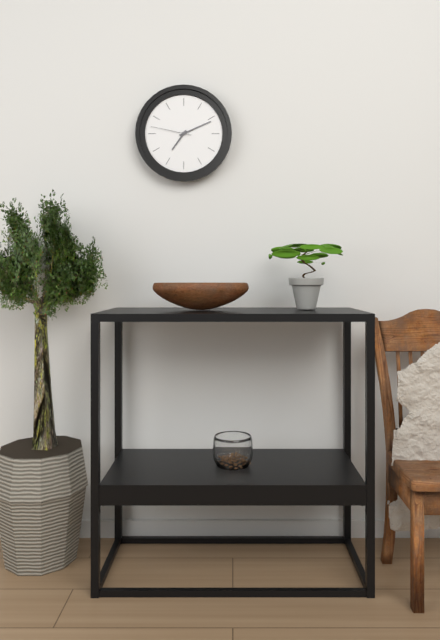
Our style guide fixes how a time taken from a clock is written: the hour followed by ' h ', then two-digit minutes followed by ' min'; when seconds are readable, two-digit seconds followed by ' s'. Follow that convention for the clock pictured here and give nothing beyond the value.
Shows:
7 h 11 min
